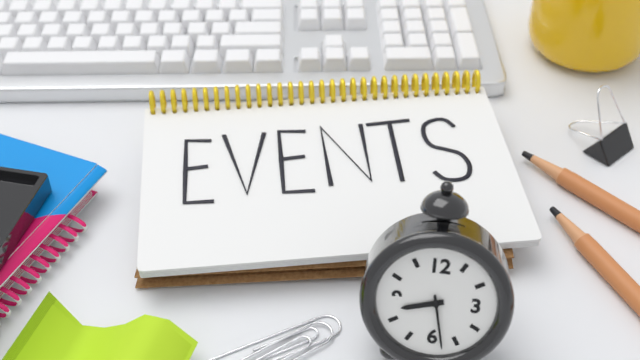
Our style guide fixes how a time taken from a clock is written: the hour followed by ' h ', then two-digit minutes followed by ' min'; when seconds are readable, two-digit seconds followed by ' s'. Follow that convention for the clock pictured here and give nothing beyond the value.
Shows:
8 h 28 min
